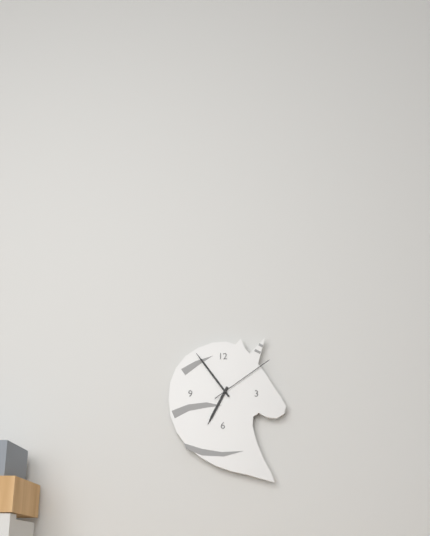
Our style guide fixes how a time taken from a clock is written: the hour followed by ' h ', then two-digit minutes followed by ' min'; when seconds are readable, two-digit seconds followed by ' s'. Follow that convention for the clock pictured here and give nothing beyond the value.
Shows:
6 h 54 min 09 s
